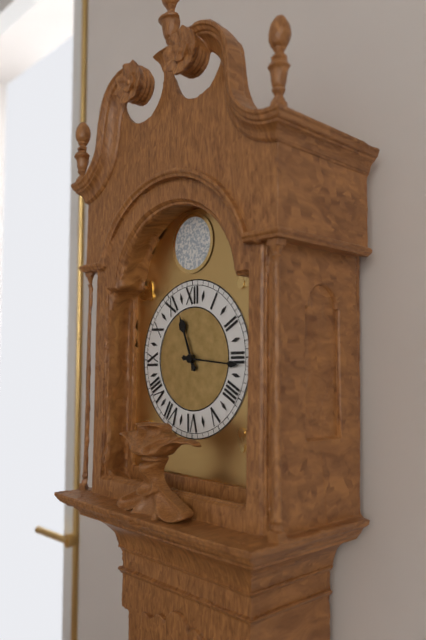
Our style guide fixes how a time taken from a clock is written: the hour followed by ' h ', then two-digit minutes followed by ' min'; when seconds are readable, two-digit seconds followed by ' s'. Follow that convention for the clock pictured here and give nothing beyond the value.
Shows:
11 h 16 min
